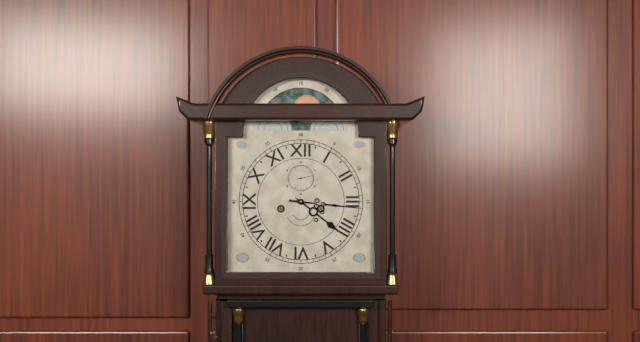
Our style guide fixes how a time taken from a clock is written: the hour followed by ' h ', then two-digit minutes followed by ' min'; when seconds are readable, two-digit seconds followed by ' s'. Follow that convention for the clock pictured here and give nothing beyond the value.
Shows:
4 h 16 min
